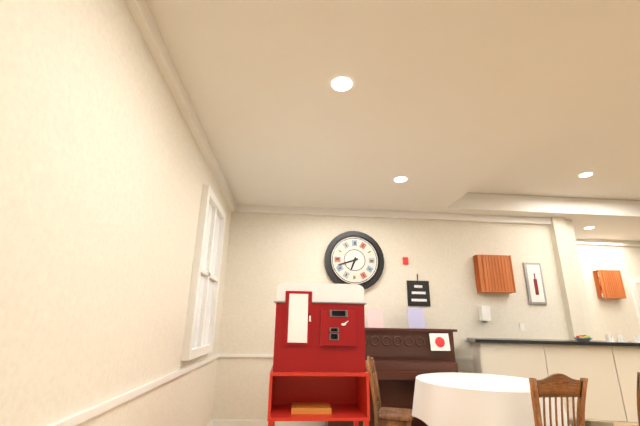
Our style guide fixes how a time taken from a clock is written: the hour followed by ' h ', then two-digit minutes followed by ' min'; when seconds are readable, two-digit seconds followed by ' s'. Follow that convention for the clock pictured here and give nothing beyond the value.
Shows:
6 h 42 min
